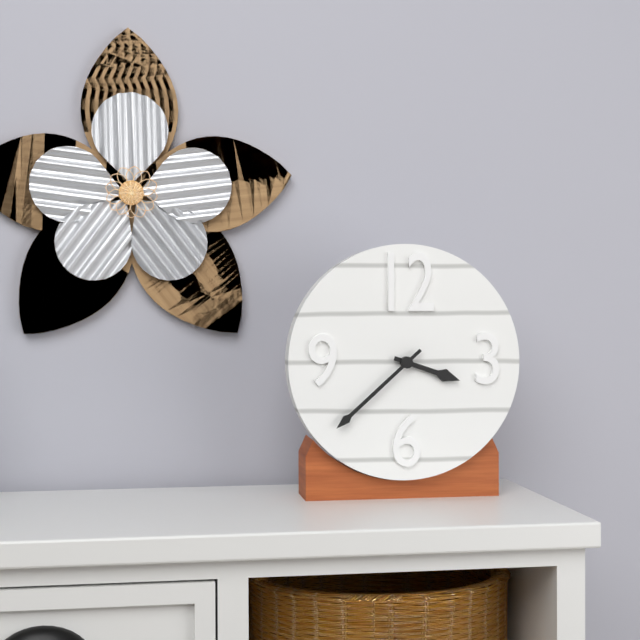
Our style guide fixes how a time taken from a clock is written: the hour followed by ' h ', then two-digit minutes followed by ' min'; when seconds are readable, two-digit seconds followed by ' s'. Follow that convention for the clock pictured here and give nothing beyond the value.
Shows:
3 h 38 min
